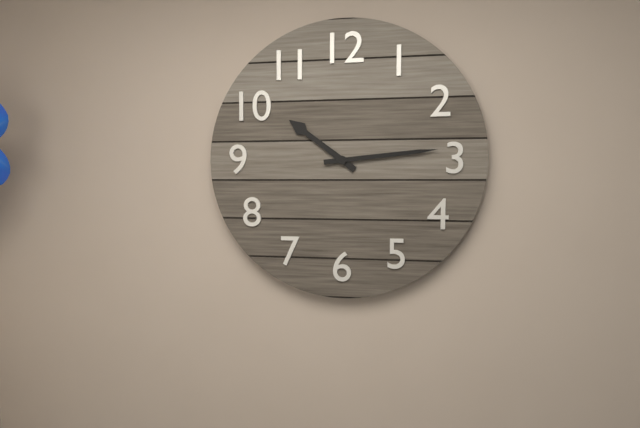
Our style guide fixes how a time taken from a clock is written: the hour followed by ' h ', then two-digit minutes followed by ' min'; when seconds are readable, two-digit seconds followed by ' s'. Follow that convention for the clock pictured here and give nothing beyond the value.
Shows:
10 h 14 min
